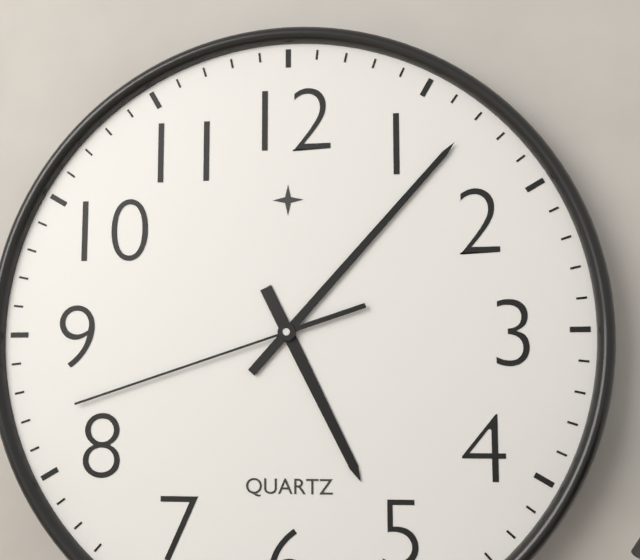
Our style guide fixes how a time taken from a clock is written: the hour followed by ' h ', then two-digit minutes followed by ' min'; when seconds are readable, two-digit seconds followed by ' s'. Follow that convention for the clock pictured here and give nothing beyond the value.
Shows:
5 h 07 min 42 s
